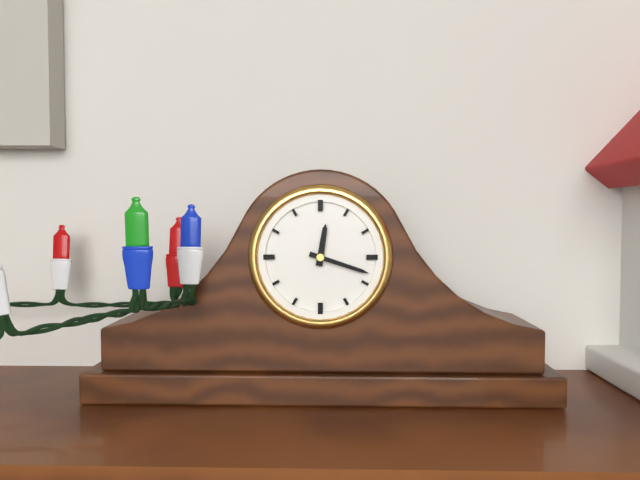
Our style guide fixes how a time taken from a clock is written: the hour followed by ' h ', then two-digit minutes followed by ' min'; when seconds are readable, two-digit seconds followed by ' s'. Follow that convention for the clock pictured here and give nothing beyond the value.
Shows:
12 h 18 min
